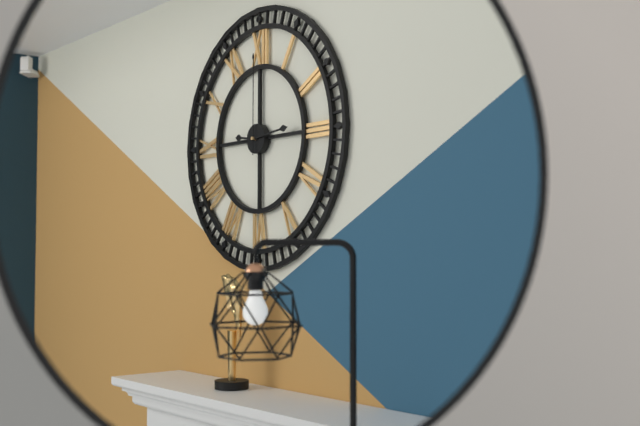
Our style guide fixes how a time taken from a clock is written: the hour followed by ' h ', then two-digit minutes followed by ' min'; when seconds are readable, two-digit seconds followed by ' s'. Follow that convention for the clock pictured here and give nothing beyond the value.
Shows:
9 h 14 min 00 s
